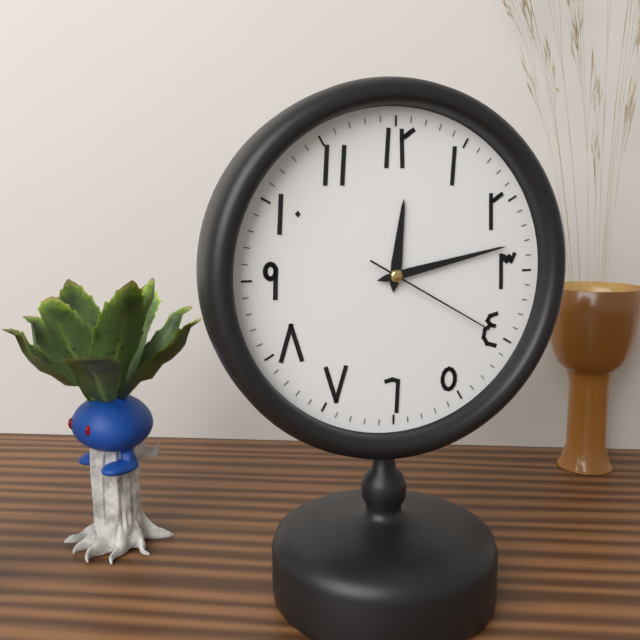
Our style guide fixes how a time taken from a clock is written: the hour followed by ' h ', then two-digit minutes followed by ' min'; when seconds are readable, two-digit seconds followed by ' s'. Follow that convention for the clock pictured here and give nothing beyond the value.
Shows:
12 h 13 min 20 s
